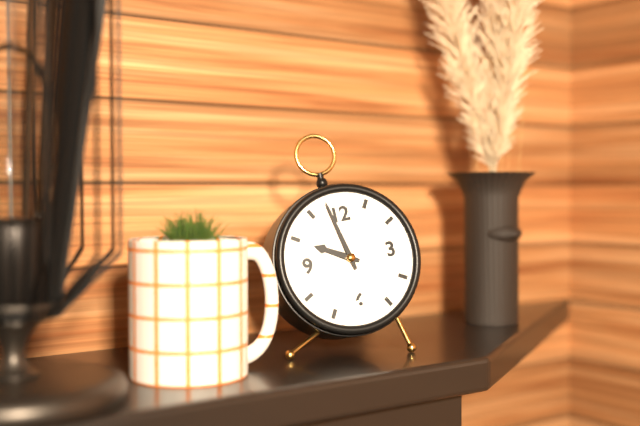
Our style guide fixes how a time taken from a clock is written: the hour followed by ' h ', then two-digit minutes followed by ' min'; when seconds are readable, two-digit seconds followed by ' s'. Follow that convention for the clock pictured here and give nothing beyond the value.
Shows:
9 h 58 min
